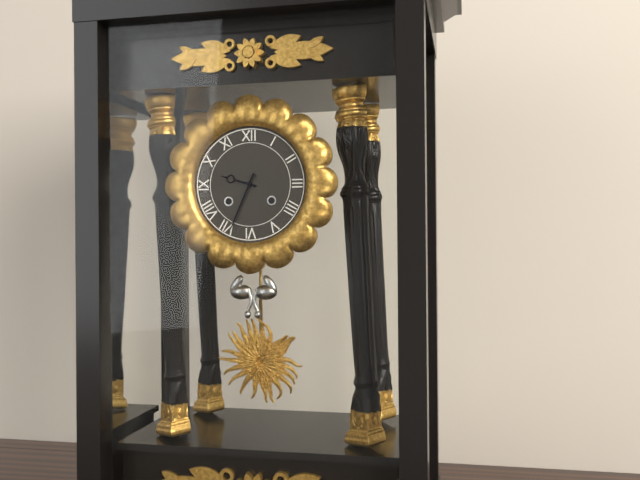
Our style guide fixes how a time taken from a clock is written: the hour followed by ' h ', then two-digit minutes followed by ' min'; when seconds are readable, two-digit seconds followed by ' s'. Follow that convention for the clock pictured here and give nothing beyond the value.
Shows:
9 h 34 min
